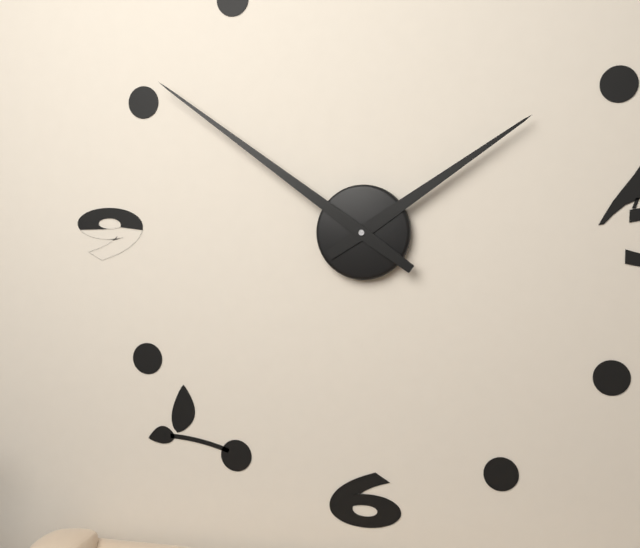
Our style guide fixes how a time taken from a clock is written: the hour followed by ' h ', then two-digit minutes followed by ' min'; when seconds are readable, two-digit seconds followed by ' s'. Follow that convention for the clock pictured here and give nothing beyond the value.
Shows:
1 h 51 min
